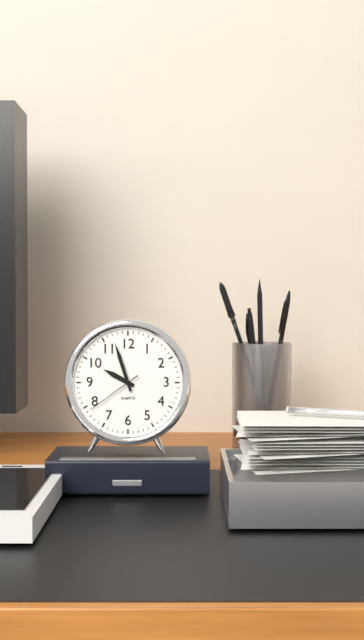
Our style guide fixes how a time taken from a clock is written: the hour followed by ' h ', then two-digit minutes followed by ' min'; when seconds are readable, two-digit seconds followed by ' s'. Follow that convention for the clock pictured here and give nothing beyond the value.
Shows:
9 h 57 min 39 s
